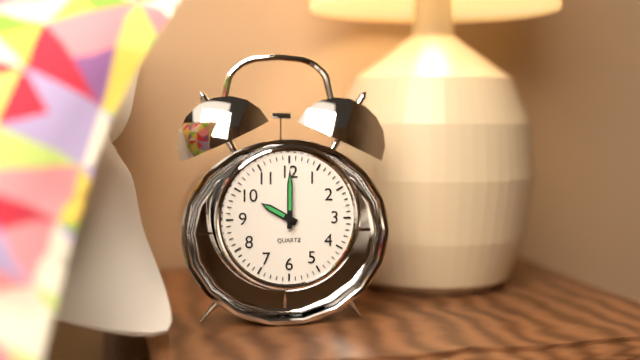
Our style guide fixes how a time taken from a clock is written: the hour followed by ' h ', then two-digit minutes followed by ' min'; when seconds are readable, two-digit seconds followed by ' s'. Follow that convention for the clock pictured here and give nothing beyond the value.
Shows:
10 h 00 min
